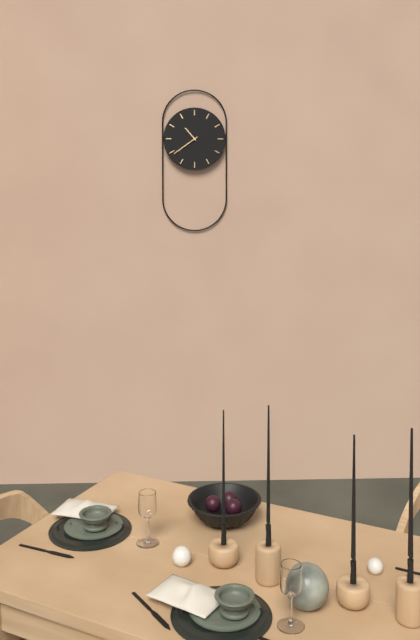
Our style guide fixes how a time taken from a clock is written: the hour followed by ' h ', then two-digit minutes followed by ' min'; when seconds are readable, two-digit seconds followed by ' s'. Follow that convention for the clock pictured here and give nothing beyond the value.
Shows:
10 h 39 min
